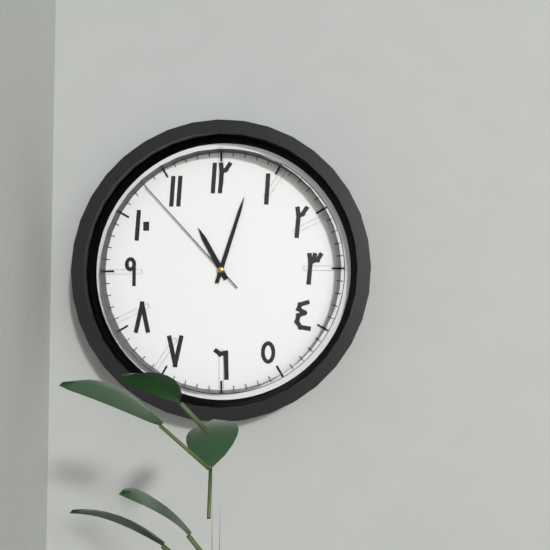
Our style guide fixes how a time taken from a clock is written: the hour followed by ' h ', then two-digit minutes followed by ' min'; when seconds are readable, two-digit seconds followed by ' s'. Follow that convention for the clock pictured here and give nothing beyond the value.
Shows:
11 h 03 min 53 s
